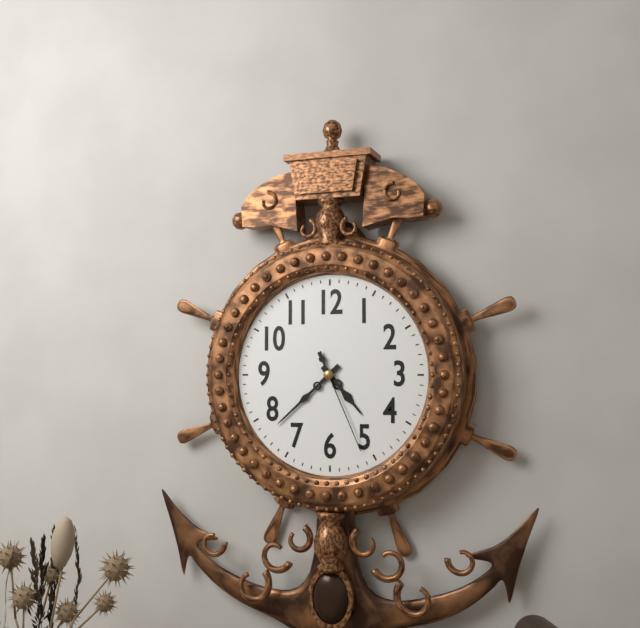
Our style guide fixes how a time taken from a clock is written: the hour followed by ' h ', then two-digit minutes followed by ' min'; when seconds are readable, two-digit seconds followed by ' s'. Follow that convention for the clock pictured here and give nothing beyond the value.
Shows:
4 h 38 min 26 s
